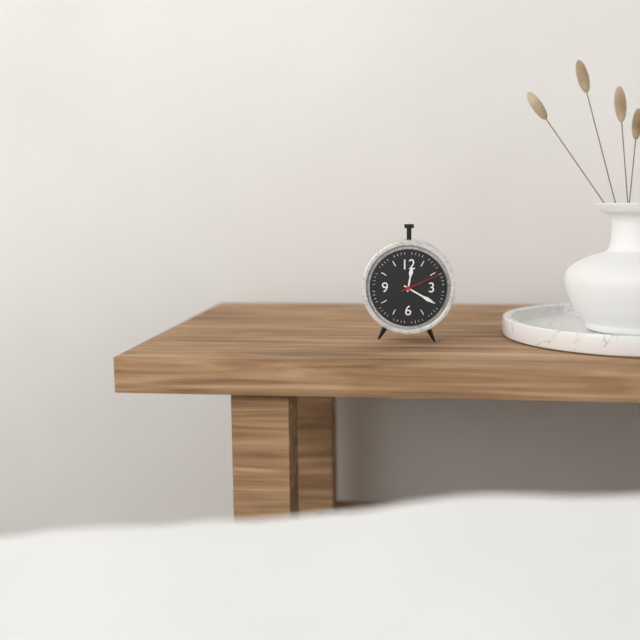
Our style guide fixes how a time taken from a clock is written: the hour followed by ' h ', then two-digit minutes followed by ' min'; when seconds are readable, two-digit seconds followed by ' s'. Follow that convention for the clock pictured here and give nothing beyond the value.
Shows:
12 h 20 min
